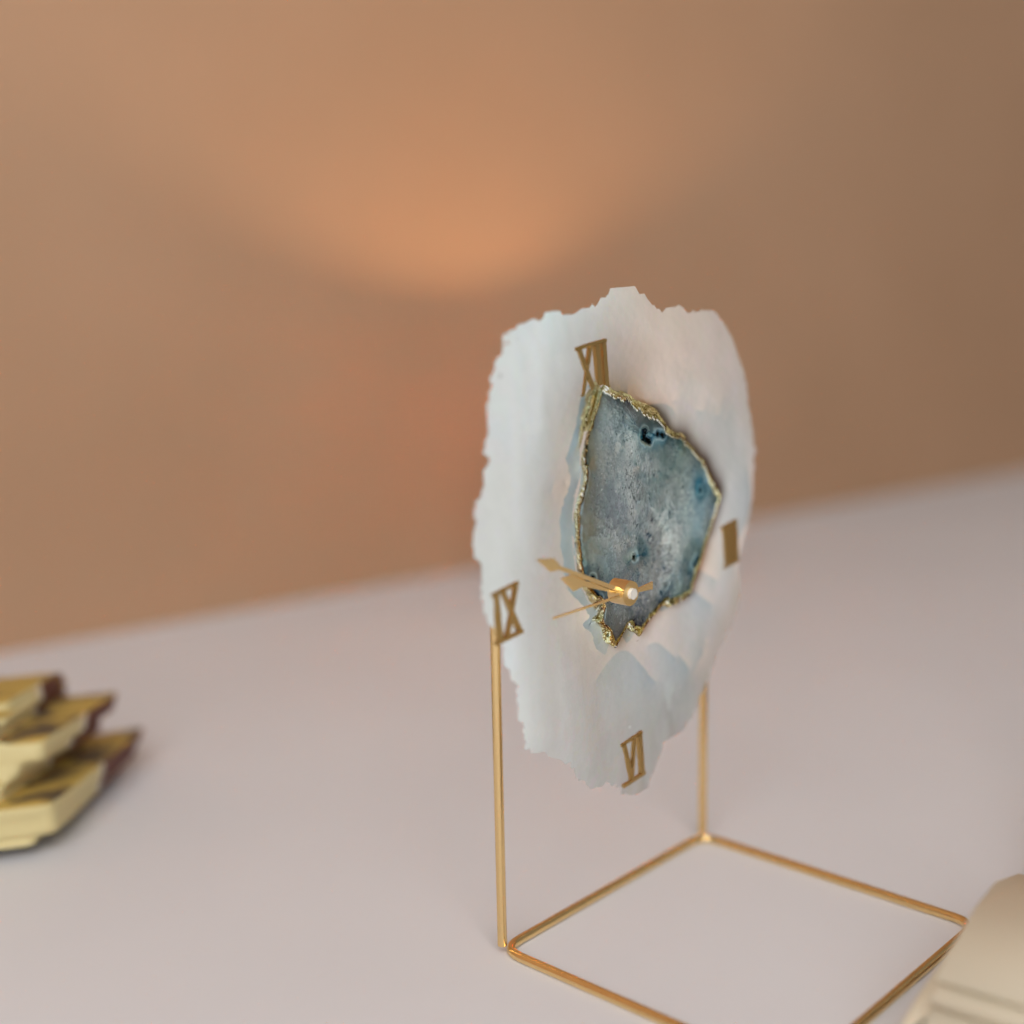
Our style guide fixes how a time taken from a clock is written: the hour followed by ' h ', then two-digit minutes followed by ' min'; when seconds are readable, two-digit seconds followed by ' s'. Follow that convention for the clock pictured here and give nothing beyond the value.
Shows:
9 h 50 min 46 s
